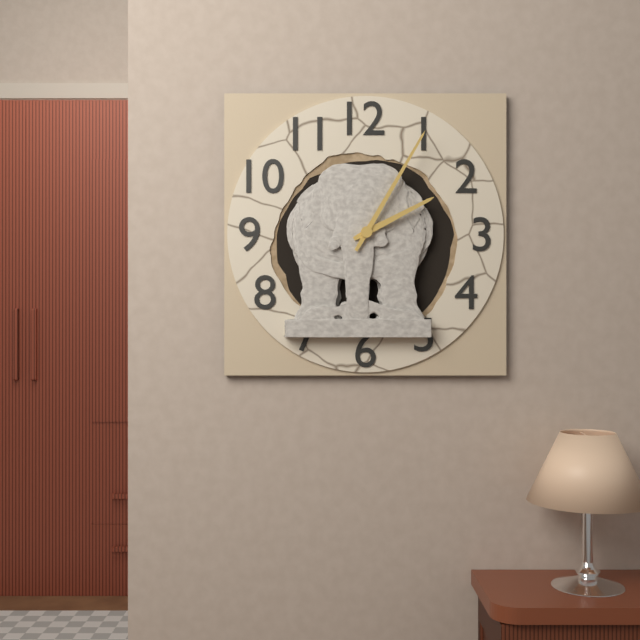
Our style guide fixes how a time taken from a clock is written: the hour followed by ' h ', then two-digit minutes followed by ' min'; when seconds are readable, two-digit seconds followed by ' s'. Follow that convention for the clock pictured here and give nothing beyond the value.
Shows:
2 h 05 min
